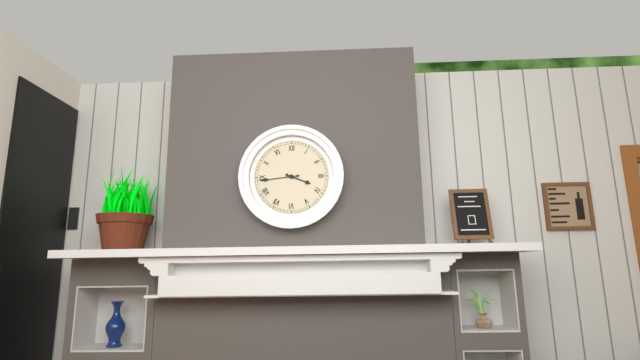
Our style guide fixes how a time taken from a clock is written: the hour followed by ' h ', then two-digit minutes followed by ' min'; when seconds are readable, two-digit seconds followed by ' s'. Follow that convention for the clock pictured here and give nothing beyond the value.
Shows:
3 h 44 min
